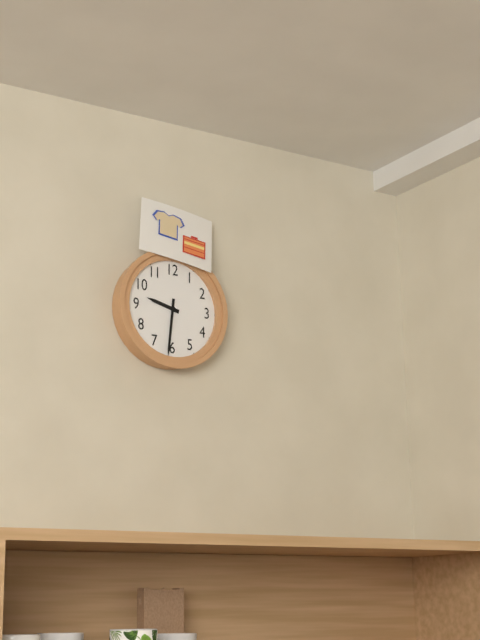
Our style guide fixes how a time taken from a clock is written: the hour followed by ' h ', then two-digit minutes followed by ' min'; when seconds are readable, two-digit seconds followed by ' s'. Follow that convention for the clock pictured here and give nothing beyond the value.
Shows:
9 h 31 min
